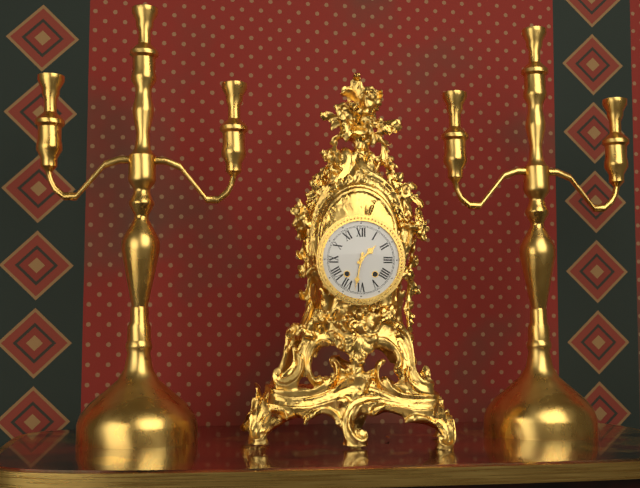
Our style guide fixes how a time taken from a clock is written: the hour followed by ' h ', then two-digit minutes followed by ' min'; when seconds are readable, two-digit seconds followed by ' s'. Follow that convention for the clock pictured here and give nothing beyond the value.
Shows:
1 h 32 min
